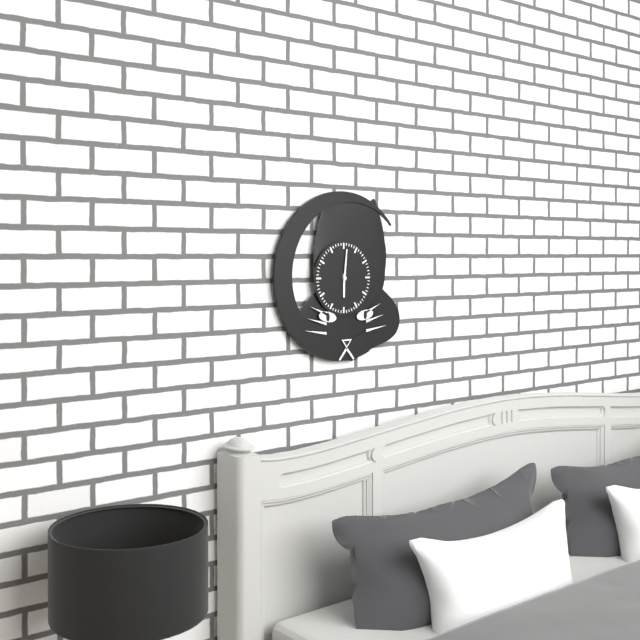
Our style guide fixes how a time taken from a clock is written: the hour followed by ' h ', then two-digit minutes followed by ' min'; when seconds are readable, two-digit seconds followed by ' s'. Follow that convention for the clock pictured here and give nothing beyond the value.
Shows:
6 h 01 min
